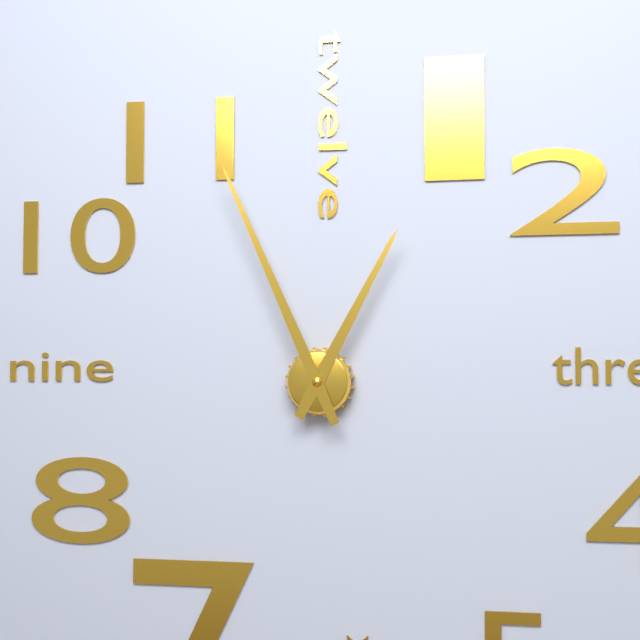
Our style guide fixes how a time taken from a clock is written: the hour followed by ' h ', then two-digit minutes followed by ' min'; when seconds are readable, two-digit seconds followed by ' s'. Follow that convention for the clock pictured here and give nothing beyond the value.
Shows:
12 h 56 min
